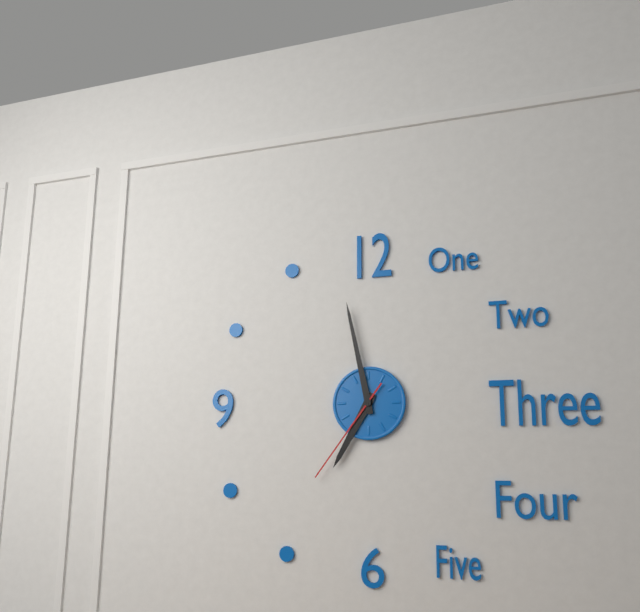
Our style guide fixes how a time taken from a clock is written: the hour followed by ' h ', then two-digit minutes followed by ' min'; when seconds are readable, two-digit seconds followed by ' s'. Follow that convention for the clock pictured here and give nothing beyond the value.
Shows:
6 h 58 min 36 s
